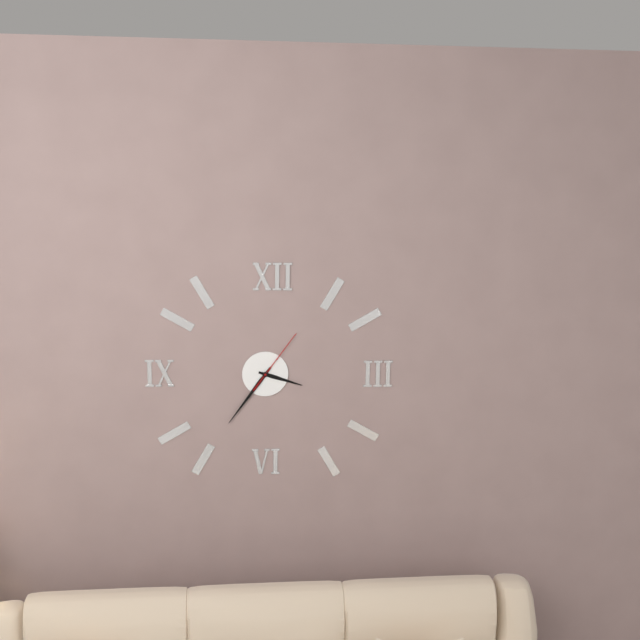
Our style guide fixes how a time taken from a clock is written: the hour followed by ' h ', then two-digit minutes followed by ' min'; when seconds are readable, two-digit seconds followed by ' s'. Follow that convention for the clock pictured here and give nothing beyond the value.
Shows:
3 h 36 min 06 s
